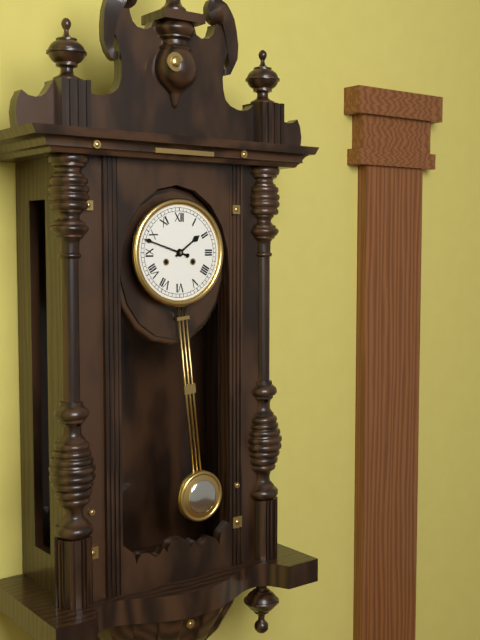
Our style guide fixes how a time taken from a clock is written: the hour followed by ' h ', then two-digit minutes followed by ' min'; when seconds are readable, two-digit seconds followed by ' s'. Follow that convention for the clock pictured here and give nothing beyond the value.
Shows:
1 h 48 min
